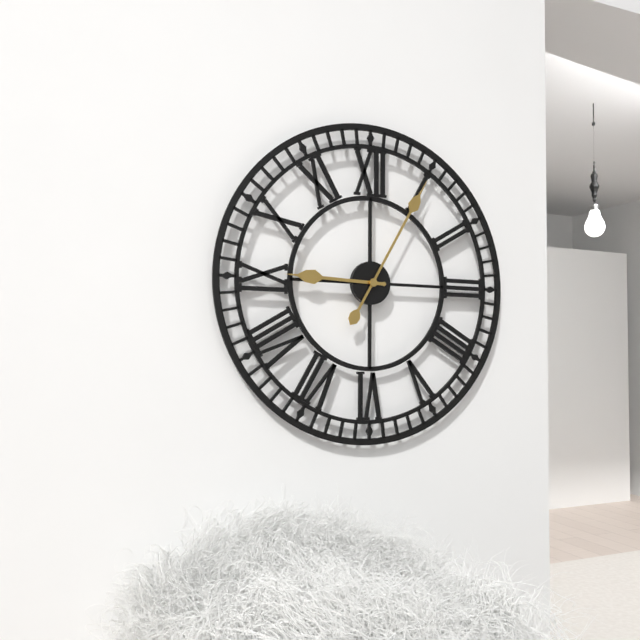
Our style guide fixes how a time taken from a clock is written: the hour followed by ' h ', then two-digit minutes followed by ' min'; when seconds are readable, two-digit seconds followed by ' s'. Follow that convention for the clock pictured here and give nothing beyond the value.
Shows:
9 h 05 min
